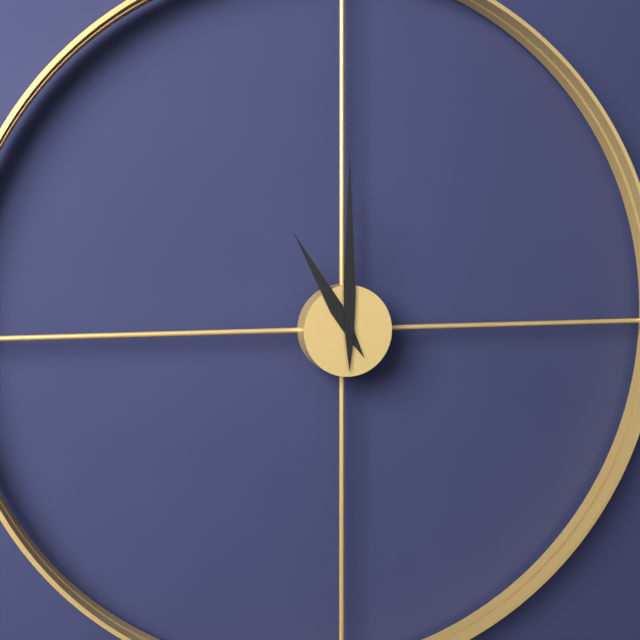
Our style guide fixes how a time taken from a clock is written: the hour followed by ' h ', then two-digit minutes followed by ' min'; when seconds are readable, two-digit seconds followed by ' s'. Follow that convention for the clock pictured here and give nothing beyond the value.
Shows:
11 h 00 min
